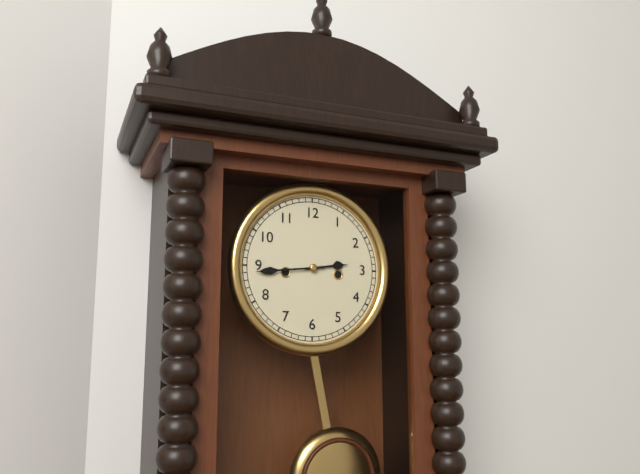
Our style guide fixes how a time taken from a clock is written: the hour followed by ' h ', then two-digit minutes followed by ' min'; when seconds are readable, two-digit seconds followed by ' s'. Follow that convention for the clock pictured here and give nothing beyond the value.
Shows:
2 h 44 min
